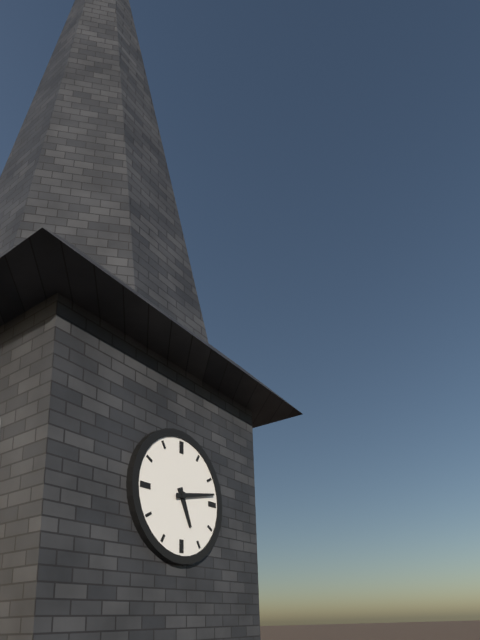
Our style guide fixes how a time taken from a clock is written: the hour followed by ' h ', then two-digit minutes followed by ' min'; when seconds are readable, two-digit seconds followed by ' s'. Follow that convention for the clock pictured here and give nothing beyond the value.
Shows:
5 h 13 min
